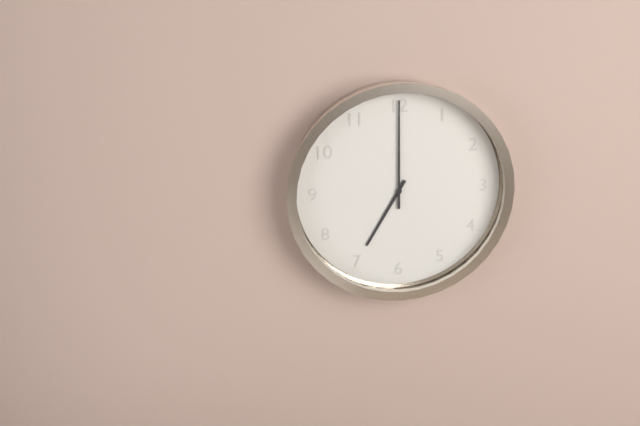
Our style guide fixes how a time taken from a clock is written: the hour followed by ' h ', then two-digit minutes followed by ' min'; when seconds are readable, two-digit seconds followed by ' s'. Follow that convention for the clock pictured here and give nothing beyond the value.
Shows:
7 h 00 min
